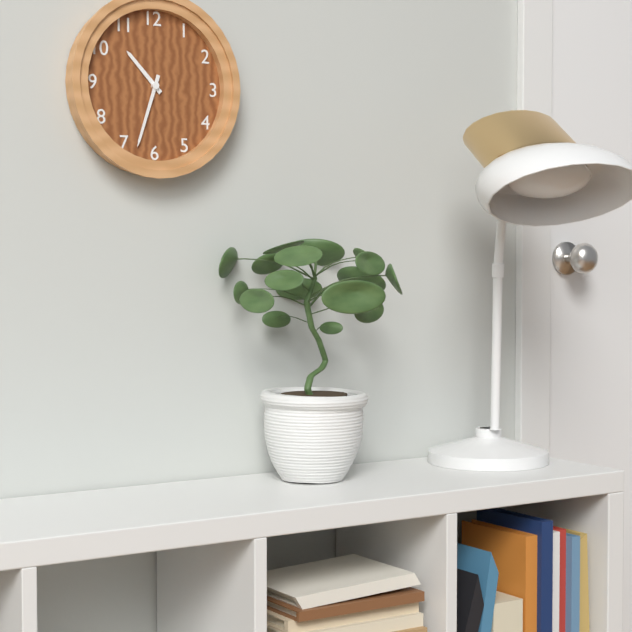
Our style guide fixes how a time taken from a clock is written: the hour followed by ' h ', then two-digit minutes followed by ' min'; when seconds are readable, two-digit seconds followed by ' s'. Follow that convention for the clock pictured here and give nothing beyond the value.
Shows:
10 h 33 min
